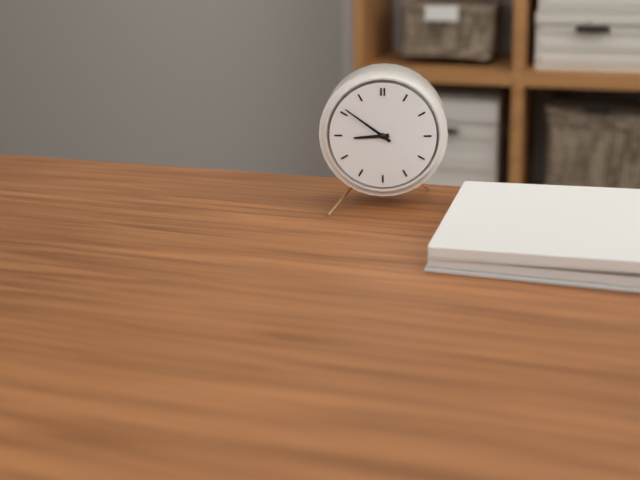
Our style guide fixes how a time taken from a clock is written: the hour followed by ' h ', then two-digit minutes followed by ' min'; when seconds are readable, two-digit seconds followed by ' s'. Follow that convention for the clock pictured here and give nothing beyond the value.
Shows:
8 h 51 min
